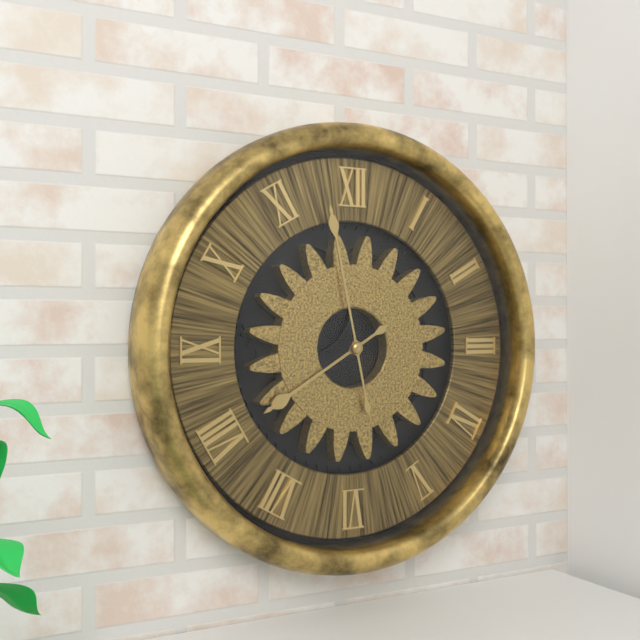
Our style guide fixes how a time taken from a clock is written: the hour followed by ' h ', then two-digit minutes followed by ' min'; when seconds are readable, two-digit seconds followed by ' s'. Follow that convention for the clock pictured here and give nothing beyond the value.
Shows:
7 h 58 min
